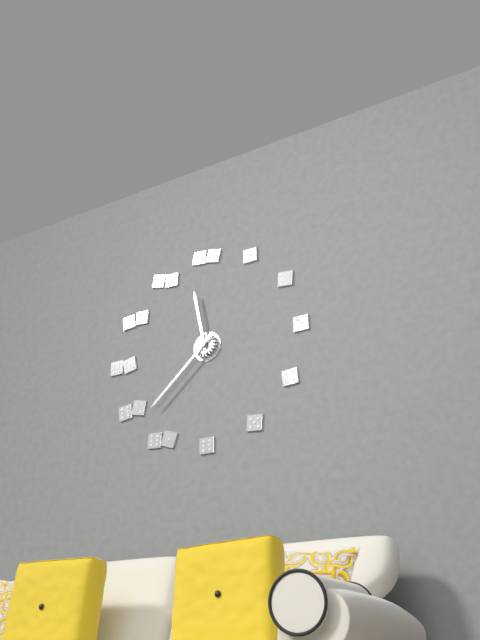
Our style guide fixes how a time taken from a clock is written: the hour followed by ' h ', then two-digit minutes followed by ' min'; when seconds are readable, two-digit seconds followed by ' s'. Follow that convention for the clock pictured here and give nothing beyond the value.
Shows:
11 h 38 min
